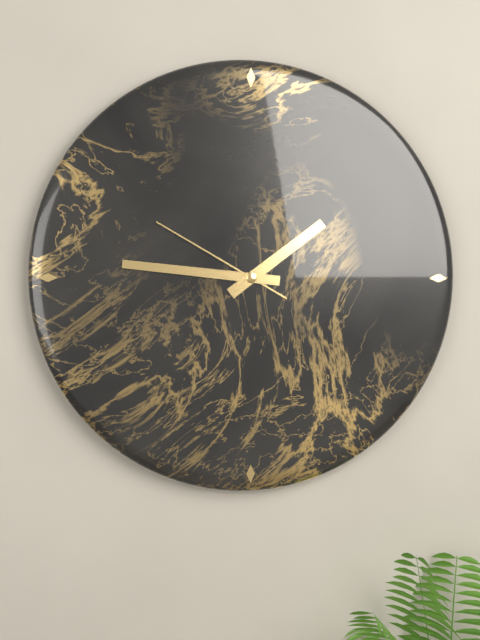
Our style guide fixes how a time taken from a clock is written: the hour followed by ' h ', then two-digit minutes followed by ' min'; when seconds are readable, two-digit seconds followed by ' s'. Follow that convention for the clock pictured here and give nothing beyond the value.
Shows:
1 h 46 min 50 s
